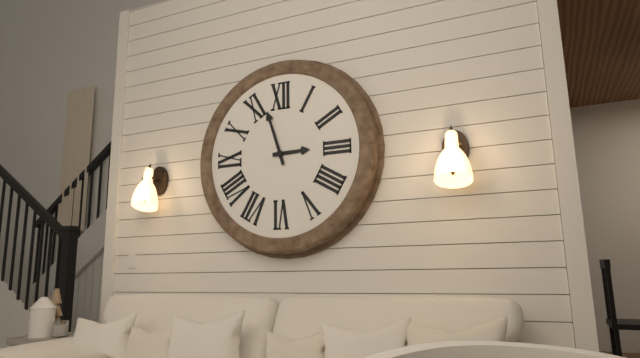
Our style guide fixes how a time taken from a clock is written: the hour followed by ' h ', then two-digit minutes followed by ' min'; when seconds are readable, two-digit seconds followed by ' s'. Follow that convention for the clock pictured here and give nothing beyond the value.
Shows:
2 h 57 min
